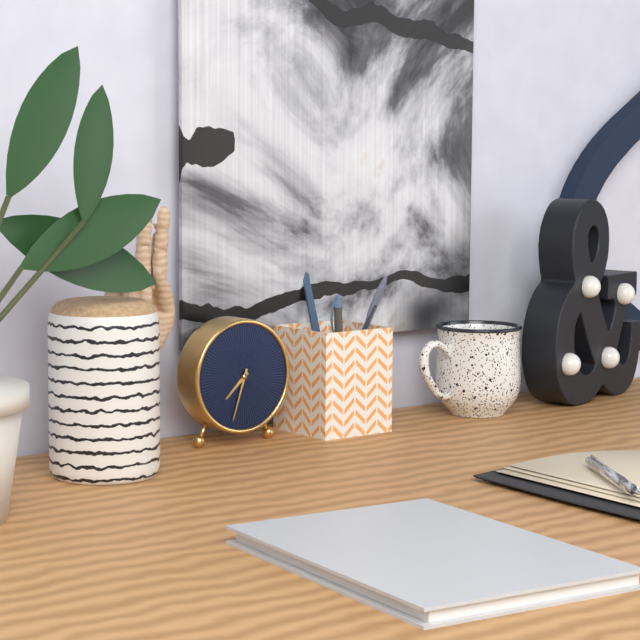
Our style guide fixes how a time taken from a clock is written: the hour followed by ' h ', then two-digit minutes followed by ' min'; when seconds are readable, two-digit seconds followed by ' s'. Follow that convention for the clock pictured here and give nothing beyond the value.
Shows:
7 h 33 min
